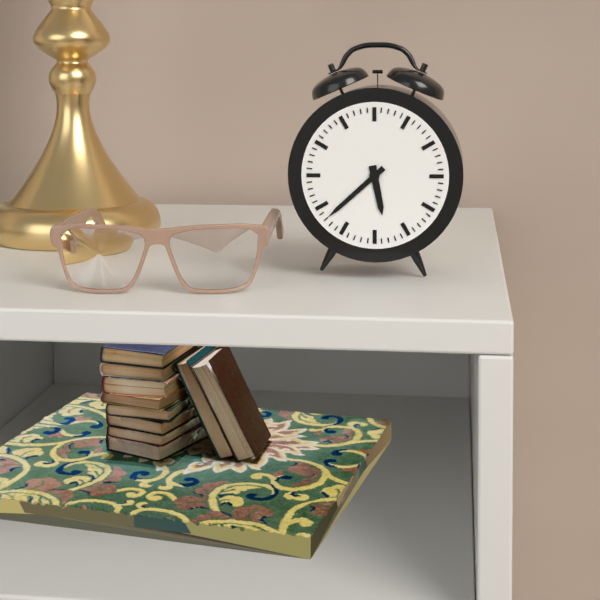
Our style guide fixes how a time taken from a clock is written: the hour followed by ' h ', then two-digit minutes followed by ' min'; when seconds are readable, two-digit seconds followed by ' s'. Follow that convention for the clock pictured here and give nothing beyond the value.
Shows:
5 h 38 min
